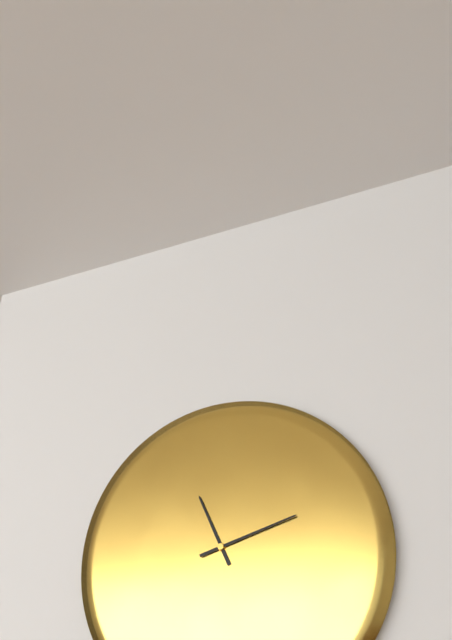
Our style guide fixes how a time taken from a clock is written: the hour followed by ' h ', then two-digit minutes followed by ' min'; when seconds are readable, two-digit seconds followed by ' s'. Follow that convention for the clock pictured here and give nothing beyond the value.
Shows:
11 h 12 min
